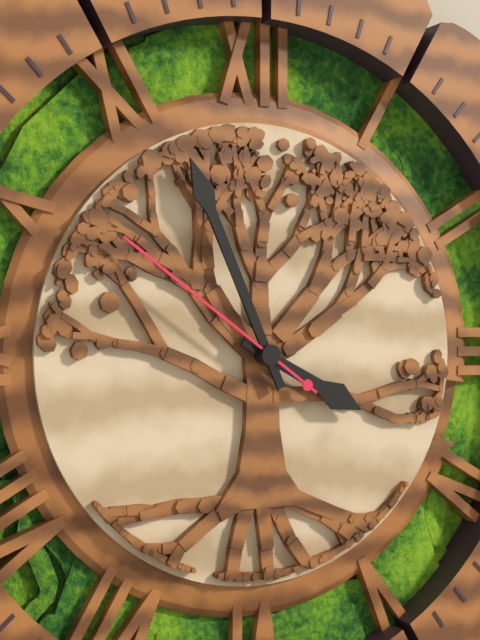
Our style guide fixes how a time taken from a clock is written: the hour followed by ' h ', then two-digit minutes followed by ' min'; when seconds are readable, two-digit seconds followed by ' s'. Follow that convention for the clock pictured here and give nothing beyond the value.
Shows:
3 h 56 min 51 s
